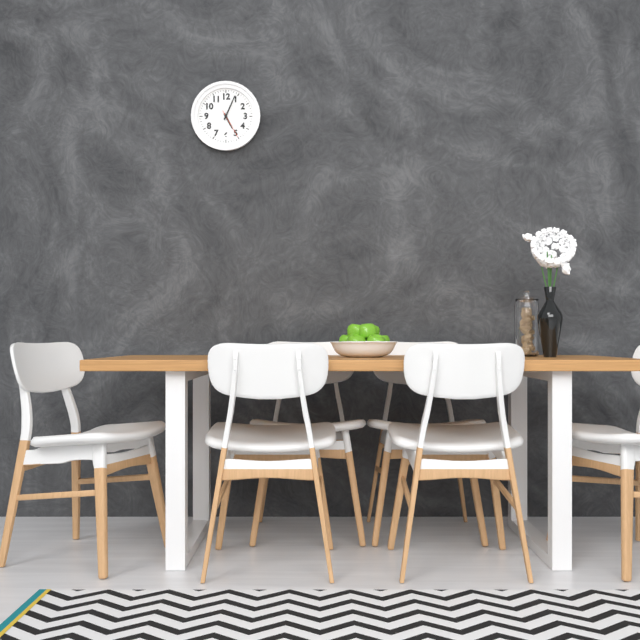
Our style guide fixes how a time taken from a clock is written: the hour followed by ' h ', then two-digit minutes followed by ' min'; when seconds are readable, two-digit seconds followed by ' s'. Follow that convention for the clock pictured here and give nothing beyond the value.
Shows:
5 h 04 min
